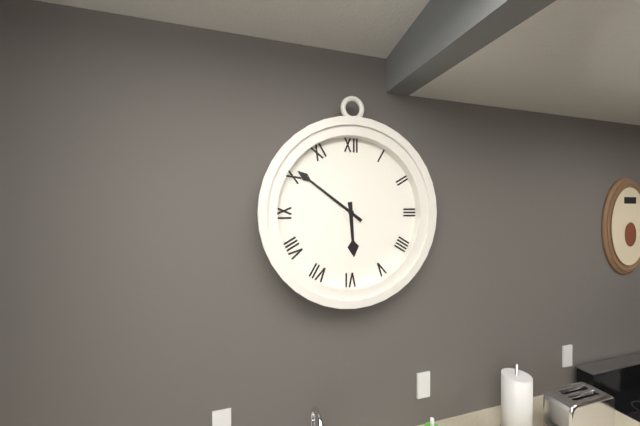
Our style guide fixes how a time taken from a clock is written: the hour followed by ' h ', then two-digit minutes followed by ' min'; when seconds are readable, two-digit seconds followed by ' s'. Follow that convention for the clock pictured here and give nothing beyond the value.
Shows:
5 h 51 min
